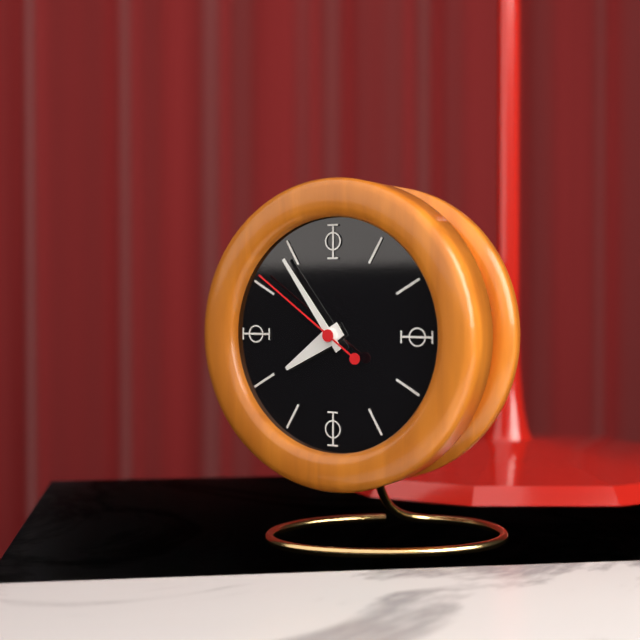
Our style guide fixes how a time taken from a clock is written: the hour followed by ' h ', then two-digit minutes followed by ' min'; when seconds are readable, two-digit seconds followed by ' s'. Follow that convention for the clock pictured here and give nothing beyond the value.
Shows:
7 h 54 min 51 s
